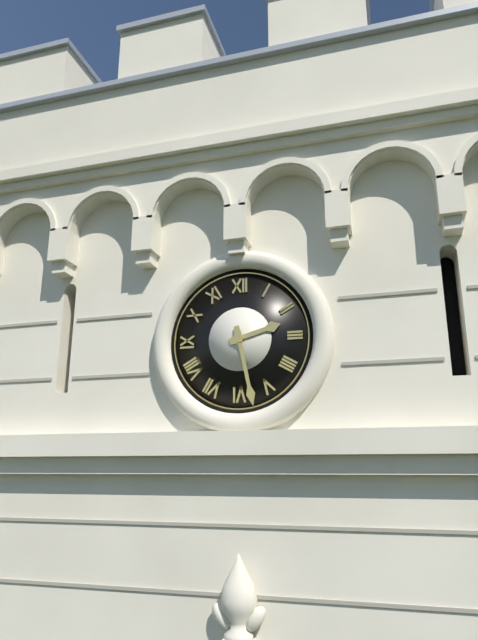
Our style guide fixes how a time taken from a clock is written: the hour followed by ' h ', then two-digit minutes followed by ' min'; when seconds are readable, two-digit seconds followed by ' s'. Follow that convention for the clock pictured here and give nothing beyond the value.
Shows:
2 h 28 min
